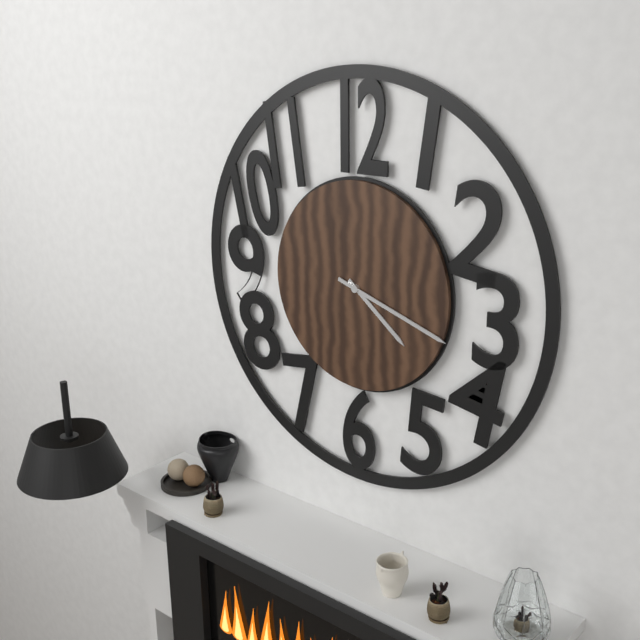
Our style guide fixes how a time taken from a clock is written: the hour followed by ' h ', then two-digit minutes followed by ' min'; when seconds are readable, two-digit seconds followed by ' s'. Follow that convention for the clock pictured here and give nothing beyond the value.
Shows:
4 h 18 min
